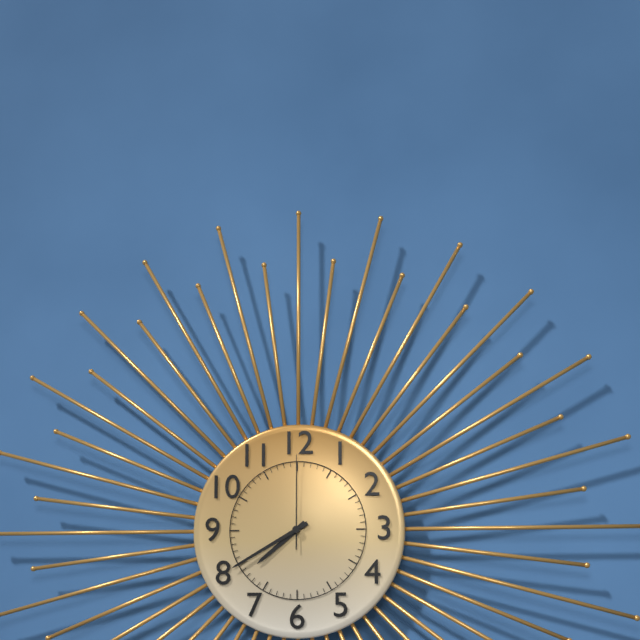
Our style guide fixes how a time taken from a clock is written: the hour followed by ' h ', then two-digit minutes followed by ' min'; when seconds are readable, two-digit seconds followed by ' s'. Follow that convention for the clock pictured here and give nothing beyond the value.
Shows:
7 h 40 min 00 s
